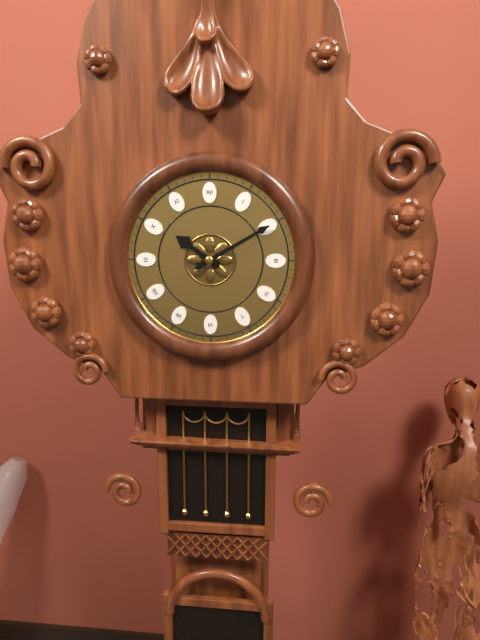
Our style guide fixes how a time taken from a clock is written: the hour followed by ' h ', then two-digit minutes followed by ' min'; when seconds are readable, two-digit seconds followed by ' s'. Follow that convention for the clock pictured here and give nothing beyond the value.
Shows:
10 h 10 min
